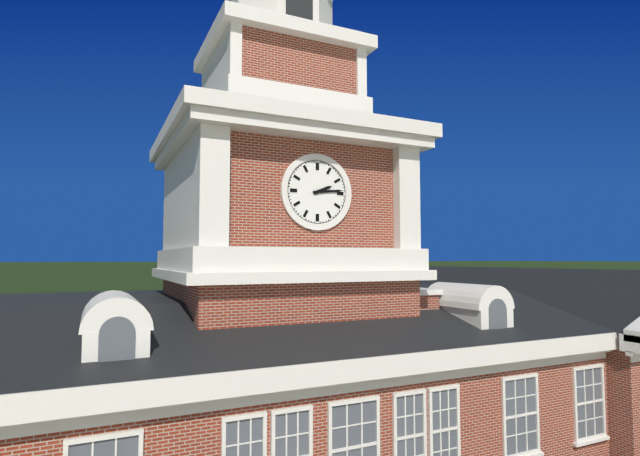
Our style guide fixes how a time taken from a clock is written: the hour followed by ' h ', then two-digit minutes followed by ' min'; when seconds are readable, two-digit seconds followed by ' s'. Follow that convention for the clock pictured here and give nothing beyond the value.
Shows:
2 h 14 min
